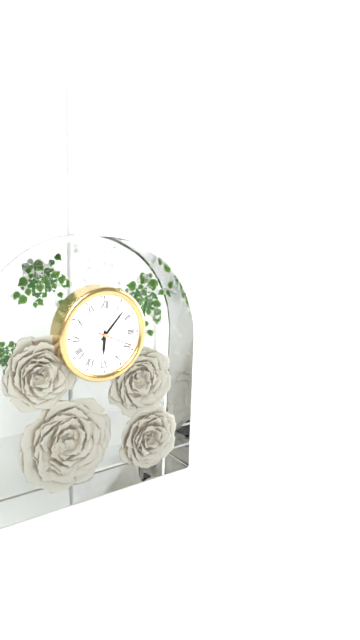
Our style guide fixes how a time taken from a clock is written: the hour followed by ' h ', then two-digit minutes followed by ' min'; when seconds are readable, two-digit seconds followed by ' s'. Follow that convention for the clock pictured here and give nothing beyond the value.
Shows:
6 h 07 min
